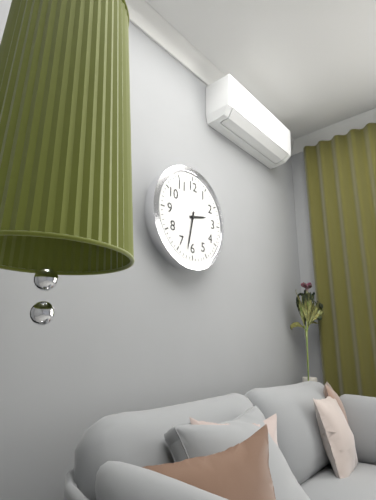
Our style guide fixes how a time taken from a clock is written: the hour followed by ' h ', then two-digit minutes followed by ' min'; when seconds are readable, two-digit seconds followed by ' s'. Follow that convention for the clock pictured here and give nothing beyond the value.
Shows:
2 h 32 min
